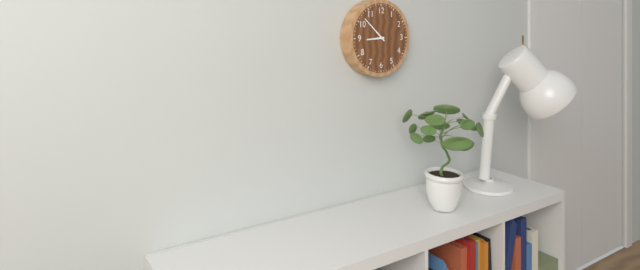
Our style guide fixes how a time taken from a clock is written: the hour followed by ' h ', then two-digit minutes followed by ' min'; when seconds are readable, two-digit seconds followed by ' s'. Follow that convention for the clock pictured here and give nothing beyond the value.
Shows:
8 h 52 min
